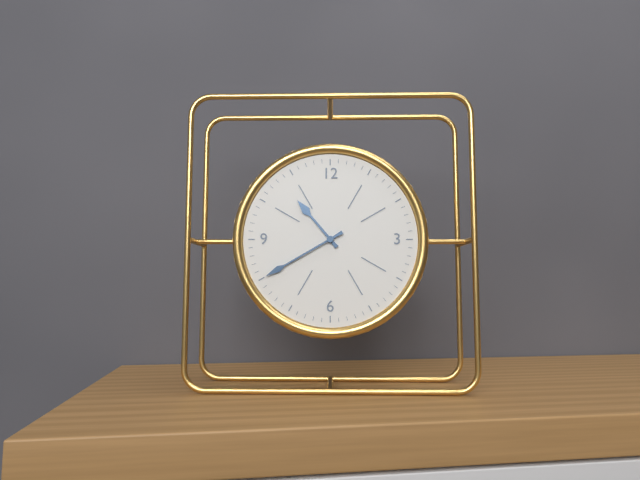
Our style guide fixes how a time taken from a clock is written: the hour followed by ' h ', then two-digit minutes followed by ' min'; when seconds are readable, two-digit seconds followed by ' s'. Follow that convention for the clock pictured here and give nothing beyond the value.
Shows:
10 h 40 min
